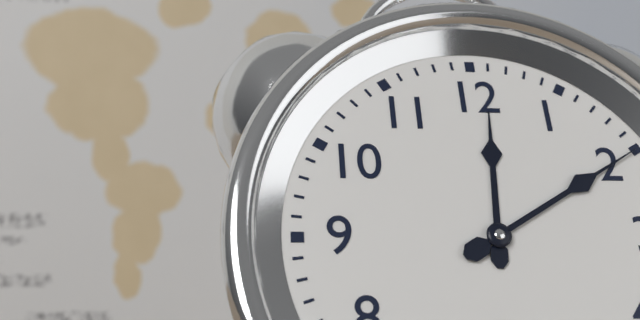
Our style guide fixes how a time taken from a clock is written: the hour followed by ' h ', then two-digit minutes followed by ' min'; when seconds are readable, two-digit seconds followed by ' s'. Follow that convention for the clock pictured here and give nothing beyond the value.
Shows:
12 h 10 min
